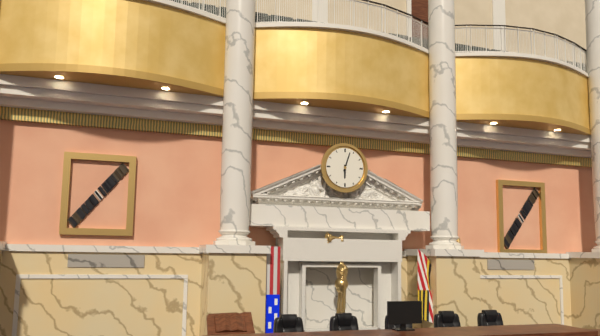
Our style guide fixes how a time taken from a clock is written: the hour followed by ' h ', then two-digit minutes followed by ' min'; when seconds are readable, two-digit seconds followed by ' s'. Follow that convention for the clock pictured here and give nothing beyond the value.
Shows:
6 h 03 min
